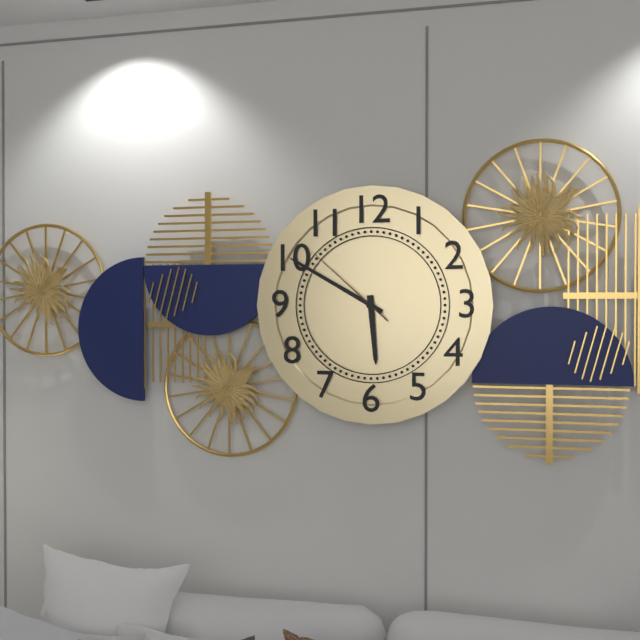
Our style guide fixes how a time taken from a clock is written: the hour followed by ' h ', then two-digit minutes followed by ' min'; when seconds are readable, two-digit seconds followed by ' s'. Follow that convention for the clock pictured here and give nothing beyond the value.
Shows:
5 h 50 min 52 s
